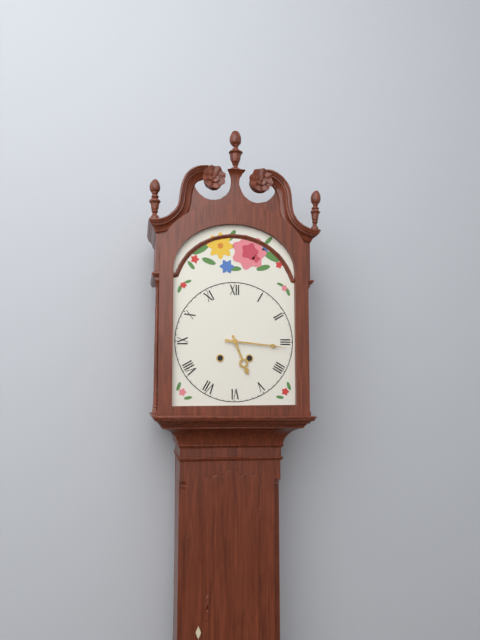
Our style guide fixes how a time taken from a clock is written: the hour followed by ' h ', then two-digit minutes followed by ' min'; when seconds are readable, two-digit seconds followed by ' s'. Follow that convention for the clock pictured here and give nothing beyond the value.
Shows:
5 h 16 min
